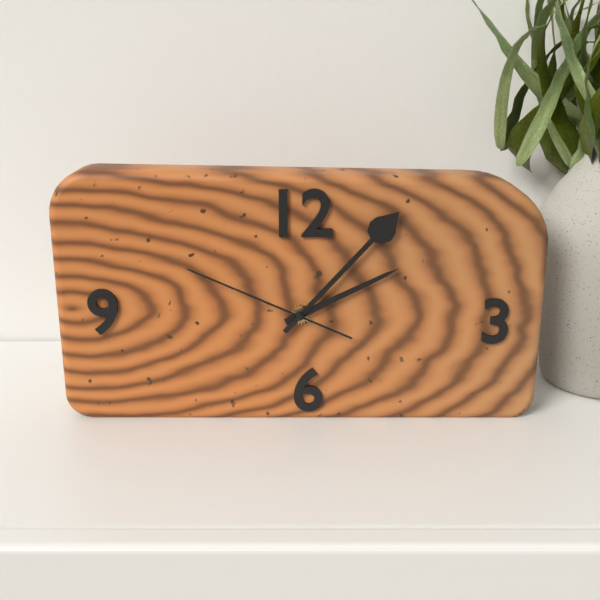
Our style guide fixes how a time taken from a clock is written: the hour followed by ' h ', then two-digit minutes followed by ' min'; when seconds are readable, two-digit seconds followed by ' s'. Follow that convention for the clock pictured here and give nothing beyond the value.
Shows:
2 h 07 min 49 s
